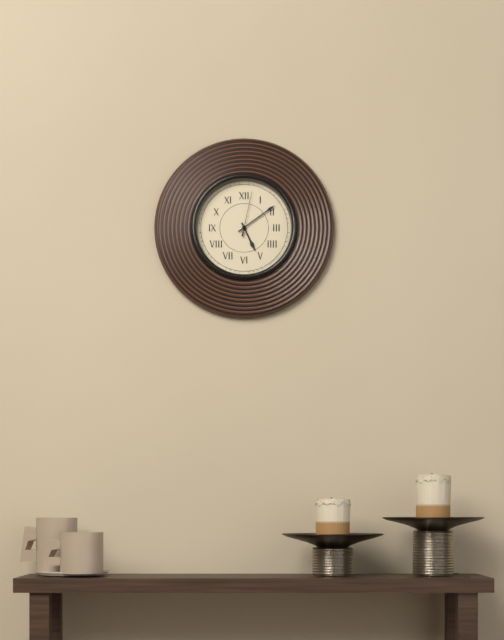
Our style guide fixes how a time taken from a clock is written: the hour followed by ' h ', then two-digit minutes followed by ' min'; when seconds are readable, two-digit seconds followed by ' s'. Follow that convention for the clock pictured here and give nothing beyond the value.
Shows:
5 h 09 min
